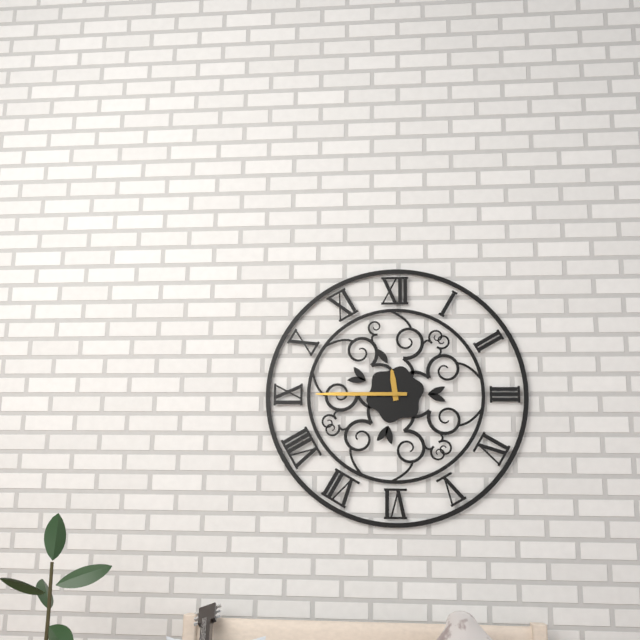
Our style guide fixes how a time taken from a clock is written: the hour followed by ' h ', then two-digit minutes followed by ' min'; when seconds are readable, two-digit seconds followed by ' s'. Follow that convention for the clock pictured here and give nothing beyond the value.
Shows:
11 h 45 min
